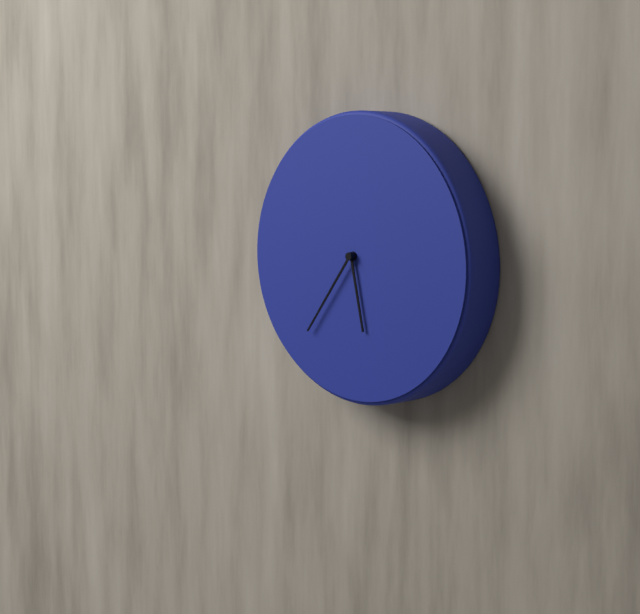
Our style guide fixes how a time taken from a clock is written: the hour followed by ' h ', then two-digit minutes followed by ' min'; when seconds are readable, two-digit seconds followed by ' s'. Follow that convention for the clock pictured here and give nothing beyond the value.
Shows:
5 h 36 min
